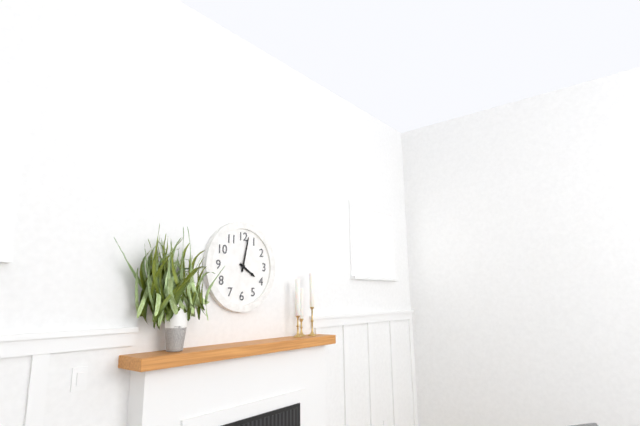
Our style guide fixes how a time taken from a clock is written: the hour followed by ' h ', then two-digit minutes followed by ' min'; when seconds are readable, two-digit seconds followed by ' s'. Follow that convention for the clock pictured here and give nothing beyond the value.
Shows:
4 h 02 min
